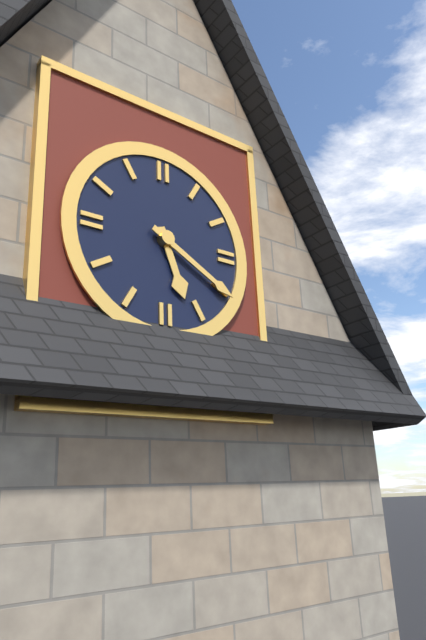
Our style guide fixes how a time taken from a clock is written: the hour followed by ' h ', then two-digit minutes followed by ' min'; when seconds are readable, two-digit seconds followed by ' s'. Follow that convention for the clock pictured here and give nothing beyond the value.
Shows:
5 h 20 min
